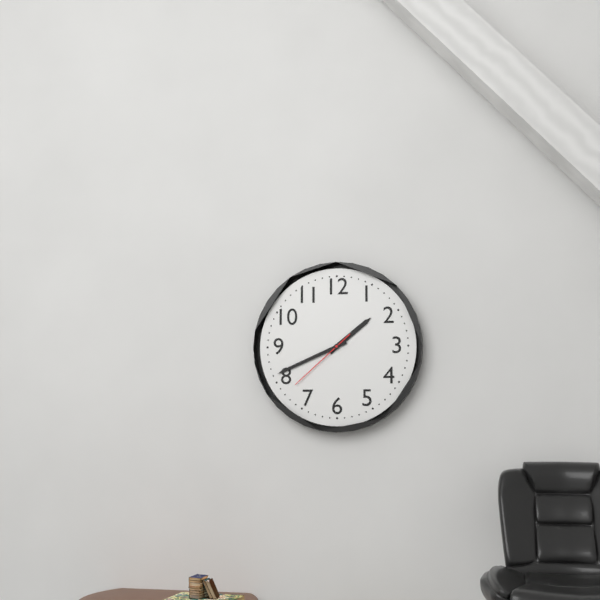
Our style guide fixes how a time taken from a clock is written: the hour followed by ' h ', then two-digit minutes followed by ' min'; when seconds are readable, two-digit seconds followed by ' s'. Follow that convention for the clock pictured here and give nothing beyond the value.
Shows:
1 h 41 min 38 s
